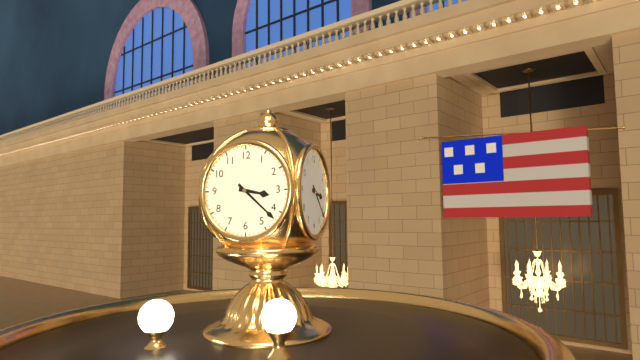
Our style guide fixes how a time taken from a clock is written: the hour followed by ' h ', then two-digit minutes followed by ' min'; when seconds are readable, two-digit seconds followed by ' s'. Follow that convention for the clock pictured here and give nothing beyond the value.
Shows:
3 h 22 min
